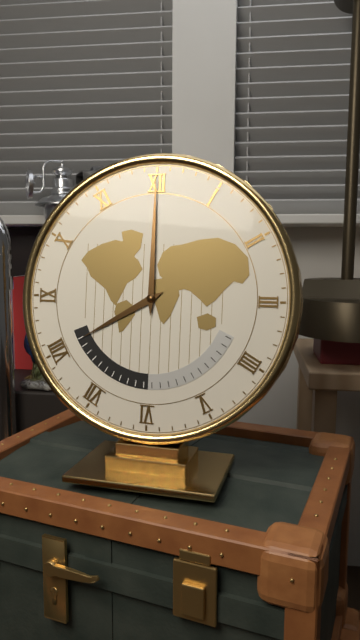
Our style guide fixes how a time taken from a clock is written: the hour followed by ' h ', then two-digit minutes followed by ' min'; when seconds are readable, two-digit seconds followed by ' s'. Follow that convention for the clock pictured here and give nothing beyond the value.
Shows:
8 h 00 min
